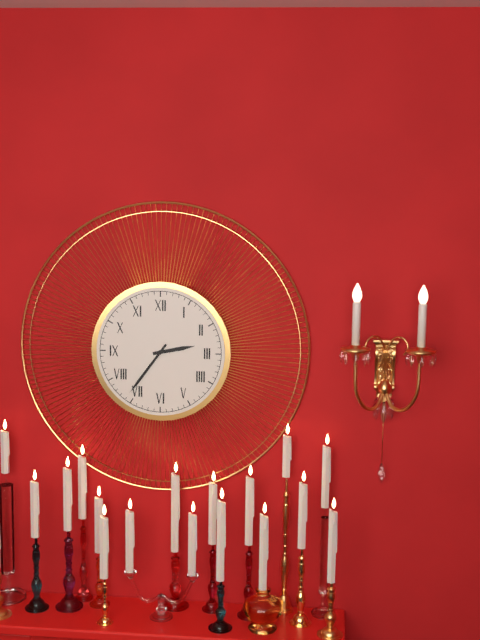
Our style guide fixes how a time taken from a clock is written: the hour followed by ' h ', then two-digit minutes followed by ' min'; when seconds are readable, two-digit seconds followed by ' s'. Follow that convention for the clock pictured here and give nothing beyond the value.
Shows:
2 h 36 min
